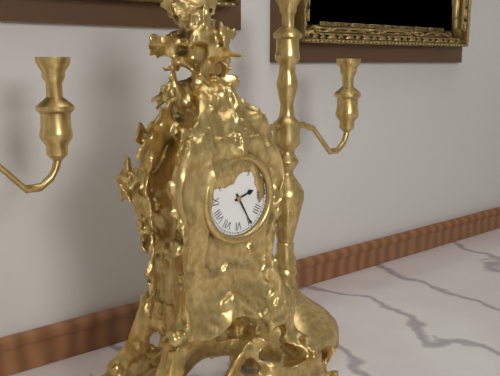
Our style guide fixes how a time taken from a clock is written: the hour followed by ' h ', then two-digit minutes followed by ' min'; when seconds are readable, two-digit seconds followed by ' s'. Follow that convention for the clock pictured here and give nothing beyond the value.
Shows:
2 h 25 min
